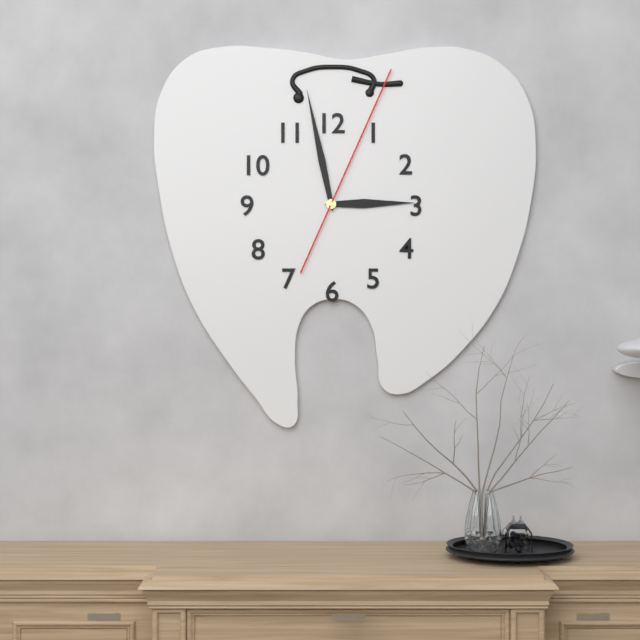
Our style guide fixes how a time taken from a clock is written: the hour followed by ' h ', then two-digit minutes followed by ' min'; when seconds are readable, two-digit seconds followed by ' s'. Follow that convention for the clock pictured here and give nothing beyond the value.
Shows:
2 h 58 min 04 s
